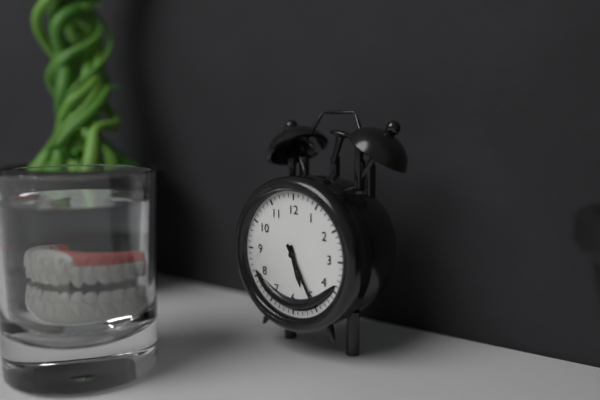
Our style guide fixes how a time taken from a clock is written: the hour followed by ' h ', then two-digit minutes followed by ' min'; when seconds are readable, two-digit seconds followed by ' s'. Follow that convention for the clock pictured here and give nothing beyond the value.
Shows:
5 h 25 min
